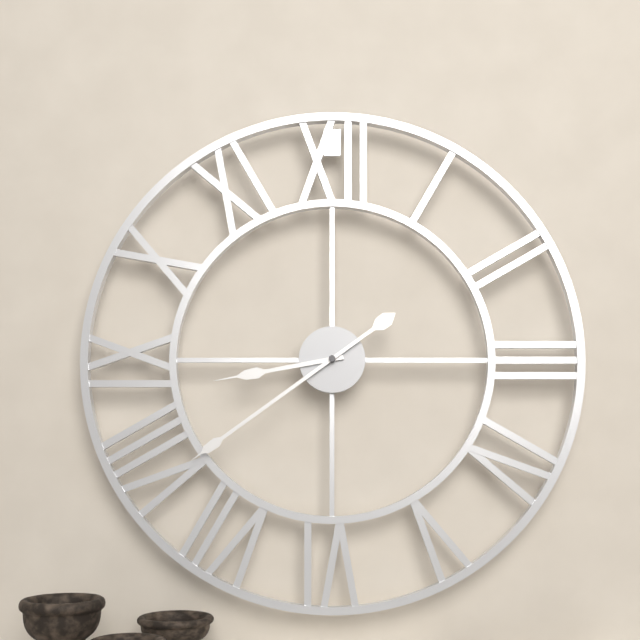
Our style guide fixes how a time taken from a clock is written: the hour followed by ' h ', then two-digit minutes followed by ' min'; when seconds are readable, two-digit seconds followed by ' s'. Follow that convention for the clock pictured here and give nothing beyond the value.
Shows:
8 h 39 min
